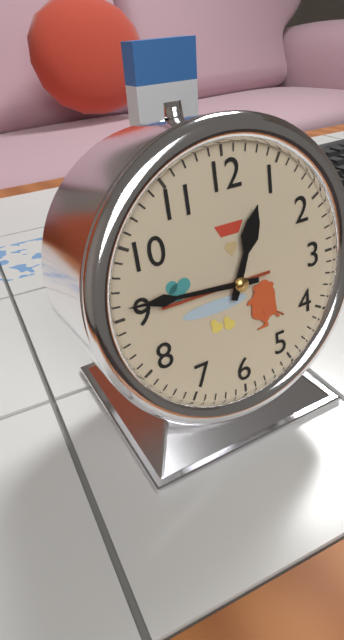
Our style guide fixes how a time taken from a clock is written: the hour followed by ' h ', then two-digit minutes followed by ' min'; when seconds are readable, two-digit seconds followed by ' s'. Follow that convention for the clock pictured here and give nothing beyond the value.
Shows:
12 h 46 min
